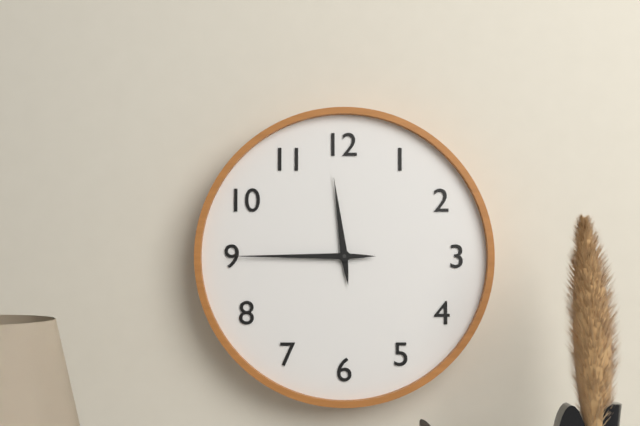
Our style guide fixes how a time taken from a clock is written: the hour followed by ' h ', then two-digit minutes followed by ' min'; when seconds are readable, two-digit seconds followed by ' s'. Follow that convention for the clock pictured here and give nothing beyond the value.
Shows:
11 h 45 min
